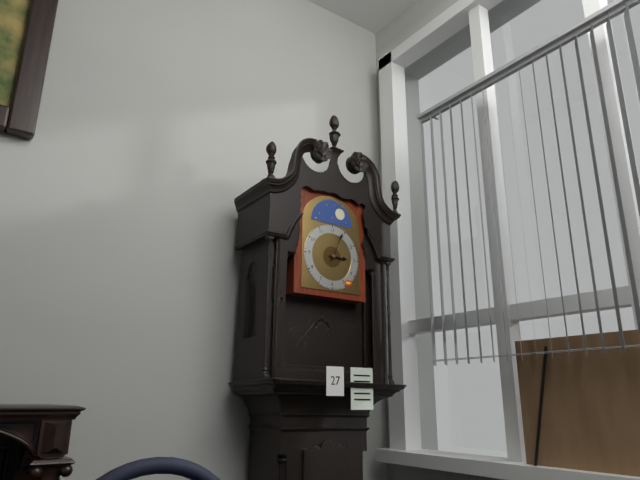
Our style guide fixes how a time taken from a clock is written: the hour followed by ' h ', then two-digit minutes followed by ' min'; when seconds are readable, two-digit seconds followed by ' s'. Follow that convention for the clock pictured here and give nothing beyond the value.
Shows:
3 h 04 min
